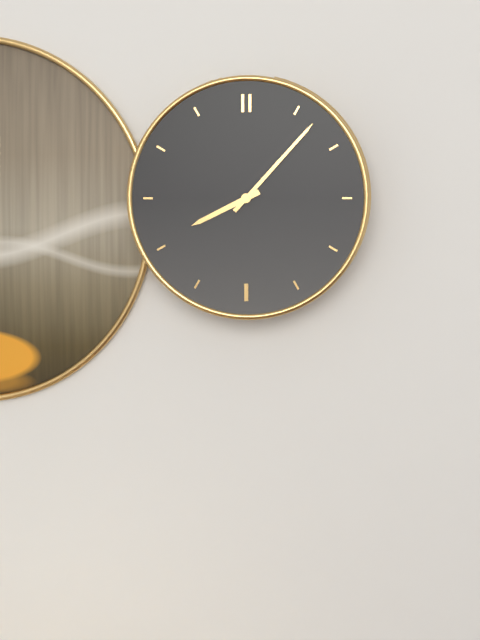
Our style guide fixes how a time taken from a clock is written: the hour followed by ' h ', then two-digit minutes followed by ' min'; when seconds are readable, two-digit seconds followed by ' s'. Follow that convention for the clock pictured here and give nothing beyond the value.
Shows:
8 h 07 min
